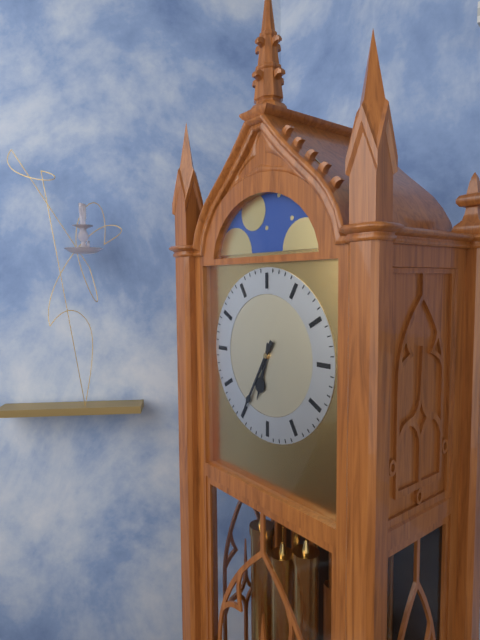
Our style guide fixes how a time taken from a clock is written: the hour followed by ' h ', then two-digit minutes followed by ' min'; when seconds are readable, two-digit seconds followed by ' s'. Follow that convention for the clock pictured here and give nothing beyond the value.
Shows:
6 h 35 min
